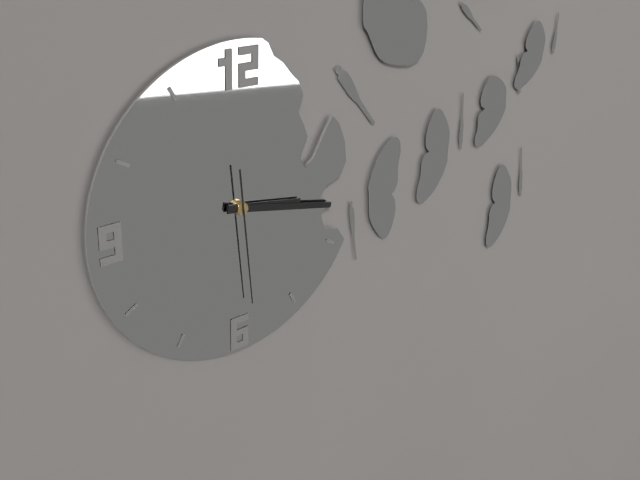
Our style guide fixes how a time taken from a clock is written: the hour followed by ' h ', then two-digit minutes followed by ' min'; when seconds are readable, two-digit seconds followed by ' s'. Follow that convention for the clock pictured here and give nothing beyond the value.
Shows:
3 h 17 min 29 s
